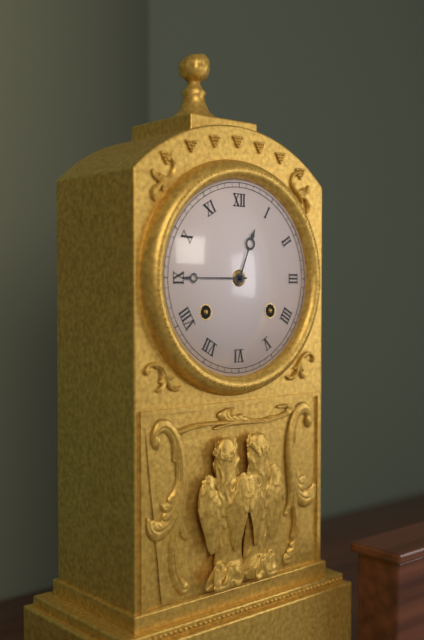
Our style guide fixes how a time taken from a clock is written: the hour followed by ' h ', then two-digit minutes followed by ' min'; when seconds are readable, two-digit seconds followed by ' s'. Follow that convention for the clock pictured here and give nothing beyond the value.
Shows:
12 h 45 min
